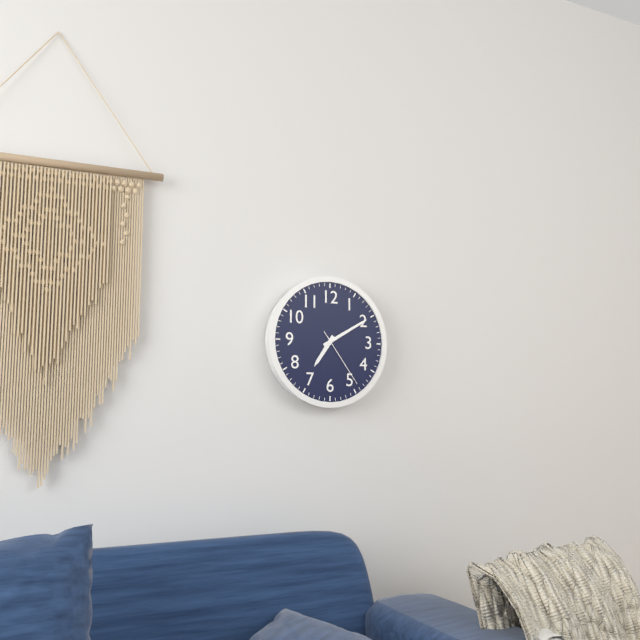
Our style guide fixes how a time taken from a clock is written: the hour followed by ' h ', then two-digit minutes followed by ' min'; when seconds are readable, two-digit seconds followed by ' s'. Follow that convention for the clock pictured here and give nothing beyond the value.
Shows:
7 h 10 min 24 s
